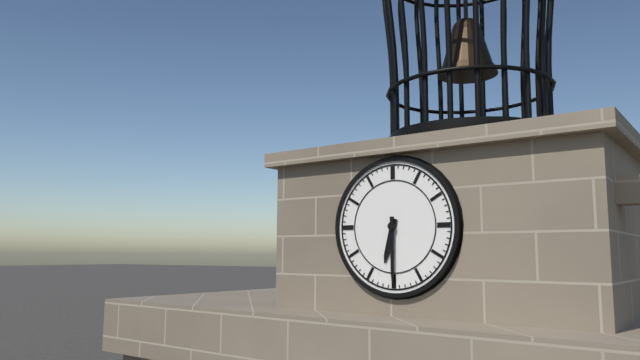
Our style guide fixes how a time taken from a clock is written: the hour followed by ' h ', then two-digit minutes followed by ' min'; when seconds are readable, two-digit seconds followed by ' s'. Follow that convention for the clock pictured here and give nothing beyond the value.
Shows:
6 h 30 min
